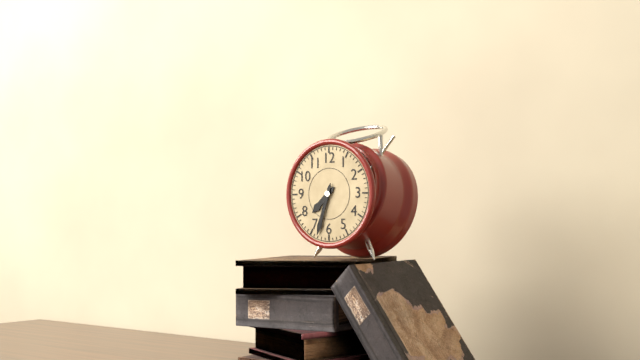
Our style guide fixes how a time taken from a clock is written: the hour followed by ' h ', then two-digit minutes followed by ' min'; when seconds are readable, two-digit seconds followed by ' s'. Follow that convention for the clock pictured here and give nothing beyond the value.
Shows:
7 h 33 min
